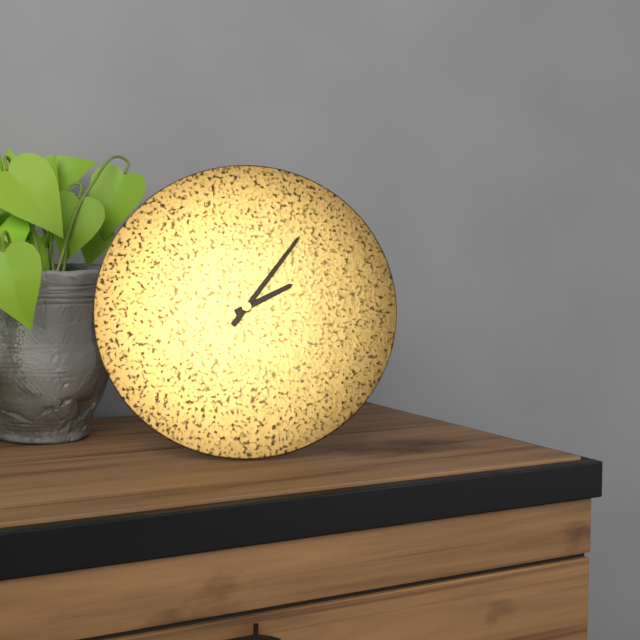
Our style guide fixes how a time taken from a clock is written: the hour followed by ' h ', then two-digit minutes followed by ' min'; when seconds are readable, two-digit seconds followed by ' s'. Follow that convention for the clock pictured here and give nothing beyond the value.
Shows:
2 h 06 min
